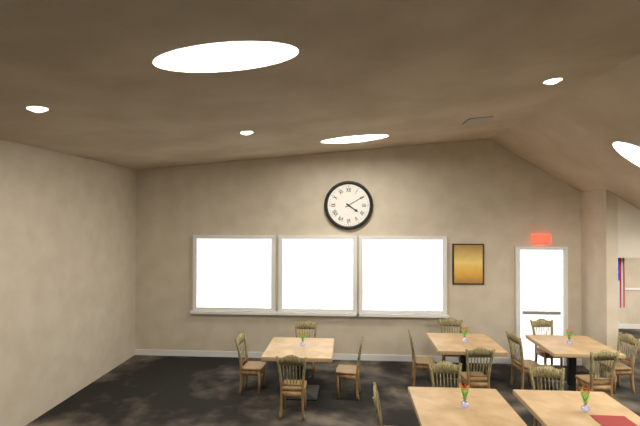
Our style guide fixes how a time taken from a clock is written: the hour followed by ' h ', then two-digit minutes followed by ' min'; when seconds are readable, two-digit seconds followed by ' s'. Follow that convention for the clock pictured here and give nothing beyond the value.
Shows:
4 h 10 min
